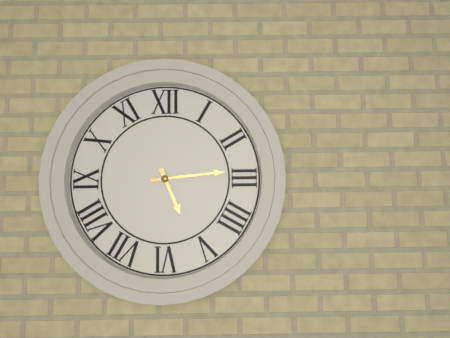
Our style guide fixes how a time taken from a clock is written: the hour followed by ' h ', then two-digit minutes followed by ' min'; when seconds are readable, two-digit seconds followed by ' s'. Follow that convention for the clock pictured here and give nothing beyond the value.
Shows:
5 h 14 min
